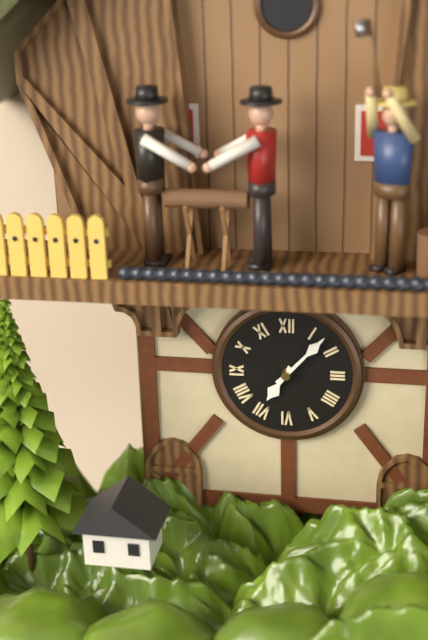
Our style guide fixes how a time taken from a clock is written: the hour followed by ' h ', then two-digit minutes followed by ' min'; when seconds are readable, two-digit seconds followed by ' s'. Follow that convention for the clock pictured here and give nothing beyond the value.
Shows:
7 h 07 min
